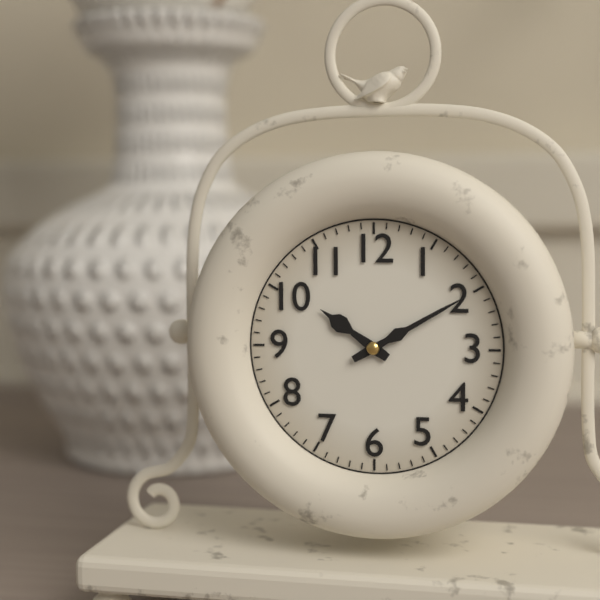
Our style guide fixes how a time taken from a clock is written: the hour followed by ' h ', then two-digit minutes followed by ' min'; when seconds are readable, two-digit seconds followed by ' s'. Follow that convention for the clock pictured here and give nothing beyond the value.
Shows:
10 h 10 min
